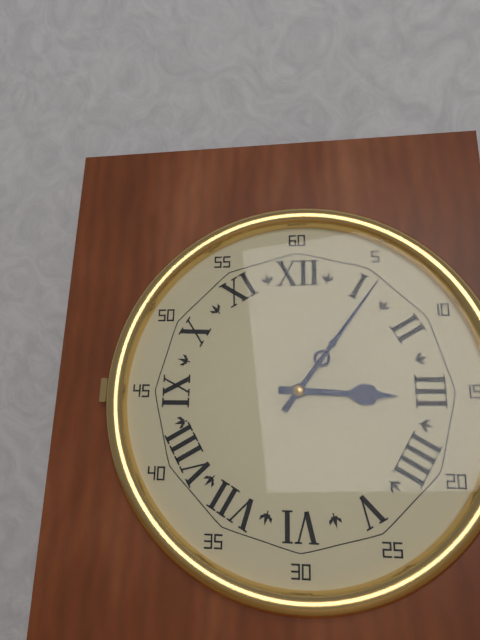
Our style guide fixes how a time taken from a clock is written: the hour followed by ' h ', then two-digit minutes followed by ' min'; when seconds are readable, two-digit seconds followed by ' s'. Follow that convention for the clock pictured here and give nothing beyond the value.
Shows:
3 h 06 min
